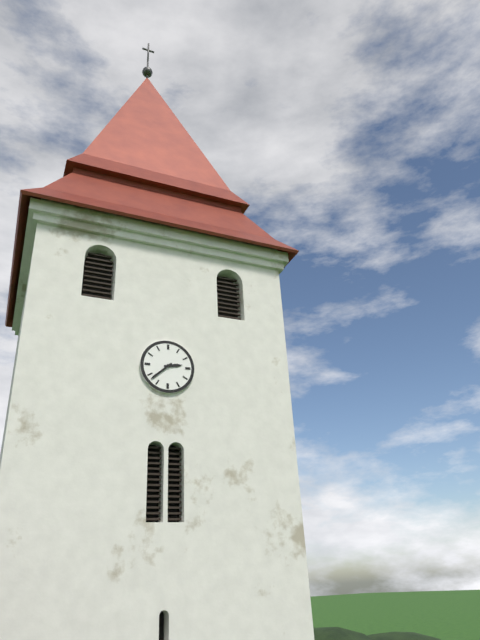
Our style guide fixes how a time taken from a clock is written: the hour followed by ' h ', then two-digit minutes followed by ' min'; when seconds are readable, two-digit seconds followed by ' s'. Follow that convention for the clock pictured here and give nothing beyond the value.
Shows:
2 h 38 min
